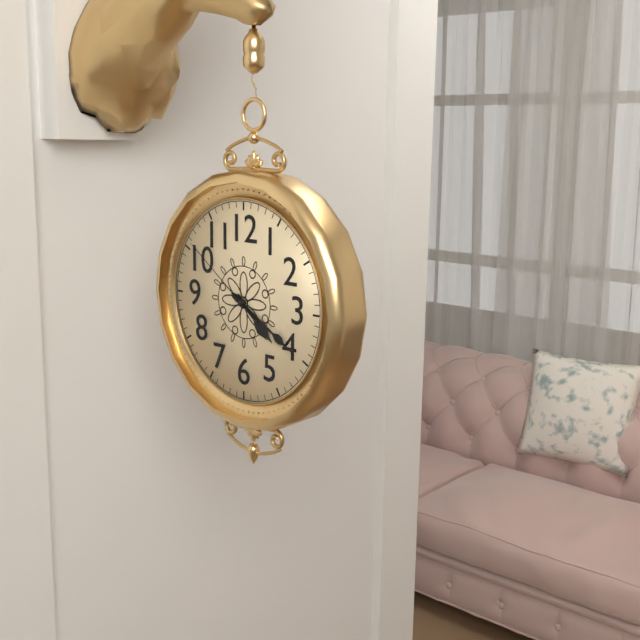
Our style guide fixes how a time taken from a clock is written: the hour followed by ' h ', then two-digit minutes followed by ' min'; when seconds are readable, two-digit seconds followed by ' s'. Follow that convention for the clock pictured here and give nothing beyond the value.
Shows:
4 h 20 min 51 s
